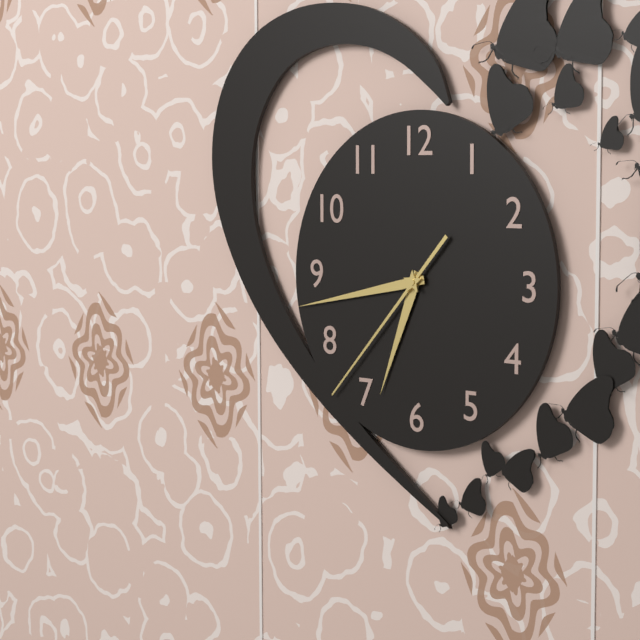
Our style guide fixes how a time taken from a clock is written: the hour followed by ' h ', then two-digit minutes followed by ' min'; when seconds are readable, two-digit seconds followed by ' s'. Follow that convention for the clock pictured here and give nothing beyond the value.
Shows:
6 h 43 min 37 s
